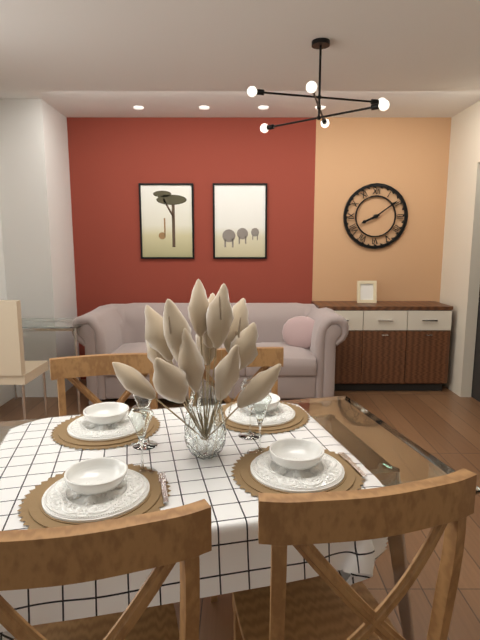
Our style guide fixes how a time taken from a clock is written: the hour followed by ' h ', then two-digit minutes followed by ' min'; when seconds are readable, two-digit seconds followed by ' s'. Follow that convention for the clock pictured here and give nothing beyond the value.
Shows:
8 h 09 min
